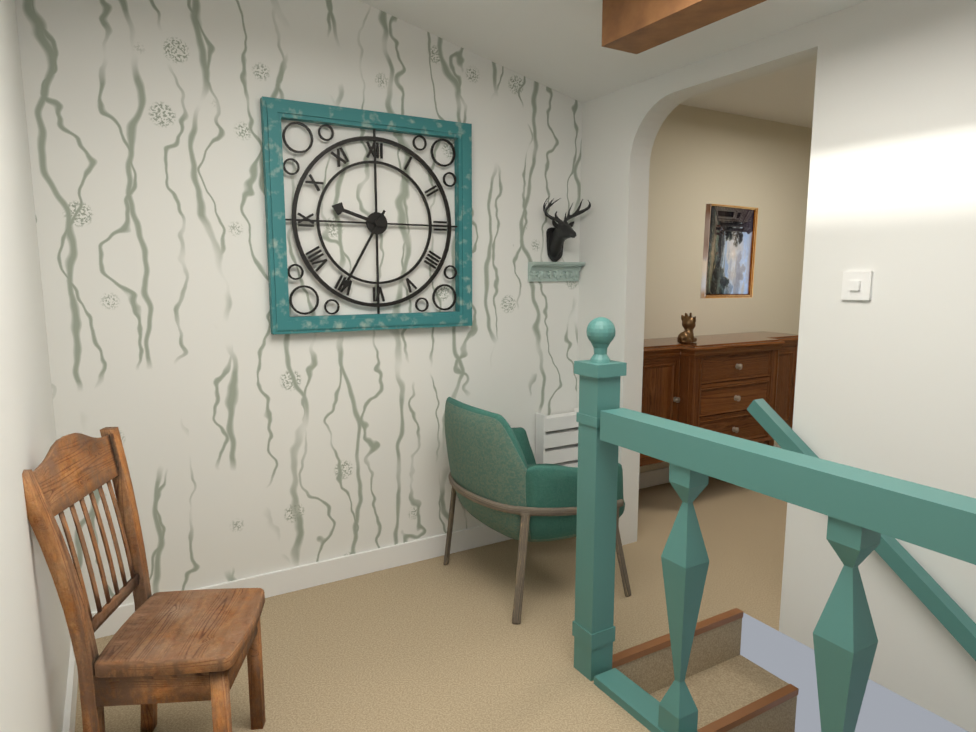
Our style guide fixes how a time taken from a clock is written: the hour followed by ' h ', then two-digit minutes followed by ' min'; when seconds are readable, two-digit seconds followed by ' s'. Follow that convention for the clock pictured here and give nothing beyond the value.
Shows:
9 h 35 min
